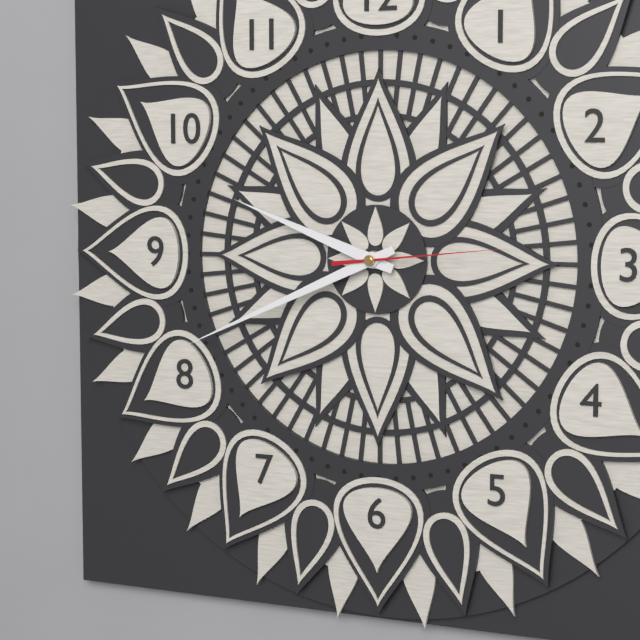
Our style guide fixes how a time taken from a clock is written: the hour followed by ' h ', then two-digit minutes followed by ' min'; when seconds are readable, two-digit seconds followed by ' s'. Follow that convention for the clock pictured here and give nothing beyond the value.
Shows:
9 h 41 min 14 s
